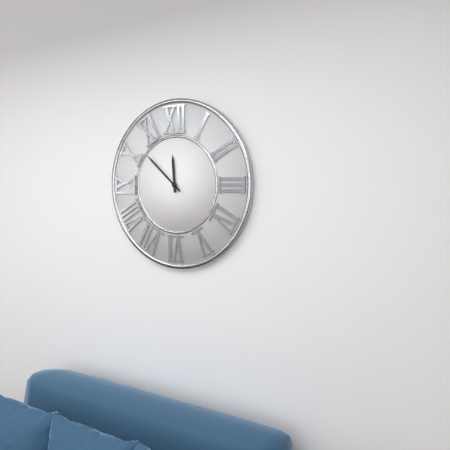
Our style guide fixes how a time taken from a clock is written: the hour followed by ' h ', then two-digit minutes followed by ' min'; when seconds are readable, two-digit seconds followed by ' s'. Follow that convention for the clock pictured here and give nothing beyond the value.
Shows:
11 h 52 min
